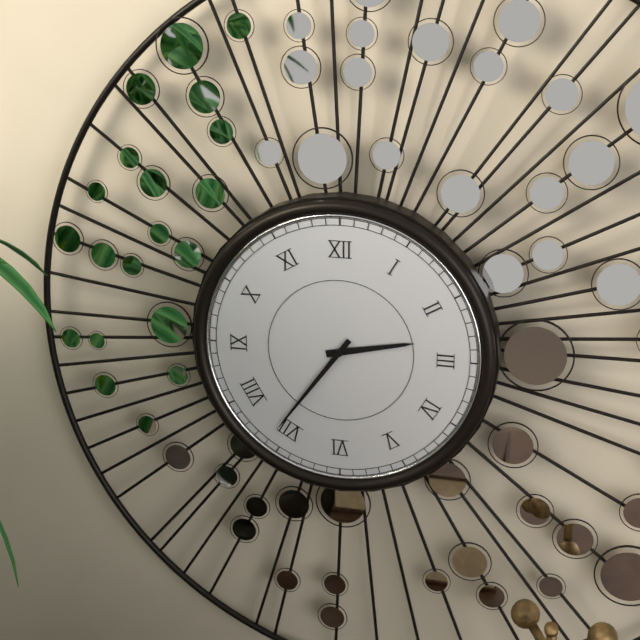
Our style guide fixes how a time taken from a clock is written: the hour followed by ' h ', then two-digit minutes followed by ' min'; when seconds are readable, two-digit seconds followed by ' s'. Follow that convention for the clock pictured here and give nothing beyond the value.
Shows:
2 h 36 min
